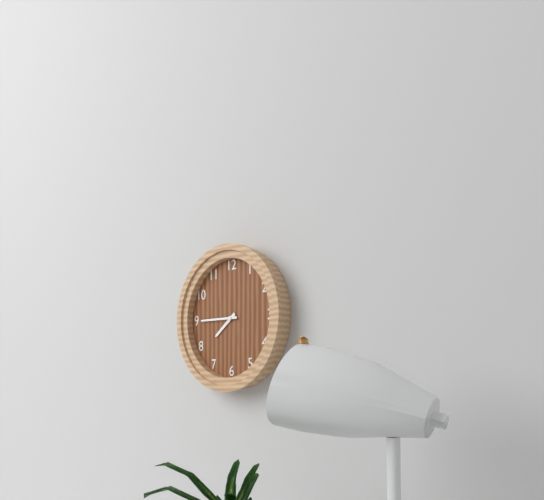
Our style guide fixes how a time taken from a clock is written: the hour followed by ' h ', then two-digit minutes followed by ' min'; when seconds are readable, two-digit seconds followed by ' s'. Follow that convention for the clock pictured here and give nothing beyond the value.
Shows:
7 h 45 min
